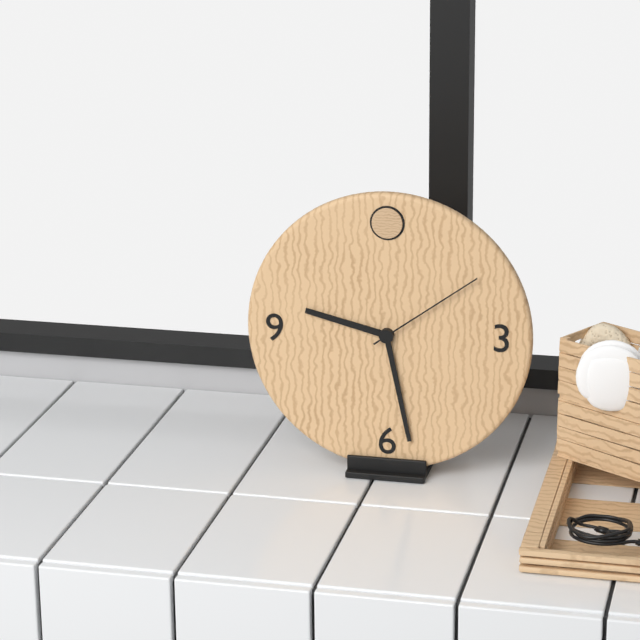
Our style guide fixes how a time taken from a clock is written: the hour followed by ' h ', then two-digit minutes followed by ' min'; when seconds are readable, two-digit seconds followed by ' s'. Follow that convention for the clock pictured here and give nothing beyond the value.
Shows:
9 h 28 min 09 s
